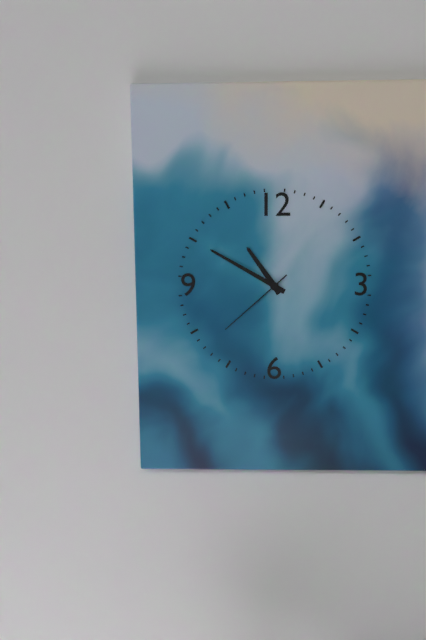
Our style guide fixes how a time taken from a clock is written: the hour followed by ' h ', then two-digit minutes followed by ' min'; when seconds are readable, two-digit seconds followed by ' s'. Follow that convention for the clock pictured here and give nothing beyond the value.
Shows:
10 h 50 min 38 s
